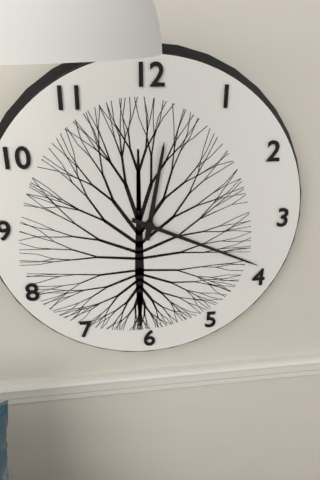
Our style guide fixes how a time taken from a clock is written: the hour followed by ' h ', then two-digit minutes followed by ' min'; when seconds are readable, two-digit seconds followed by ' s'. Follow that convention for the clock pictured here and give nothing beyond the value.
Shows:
12 h 19 min
